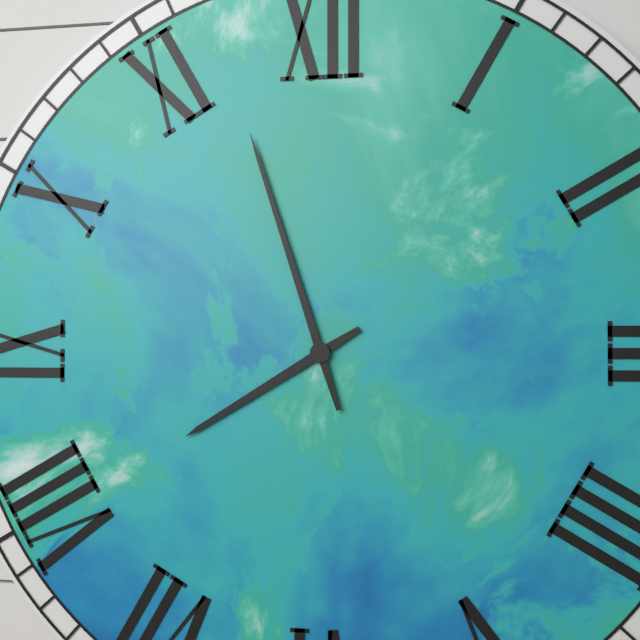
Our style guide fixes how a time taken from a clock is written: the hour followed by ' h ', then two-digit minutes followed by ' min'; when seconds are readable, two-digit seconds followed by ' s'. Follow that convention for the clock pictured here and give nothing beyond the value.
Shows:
7 h 57 min
